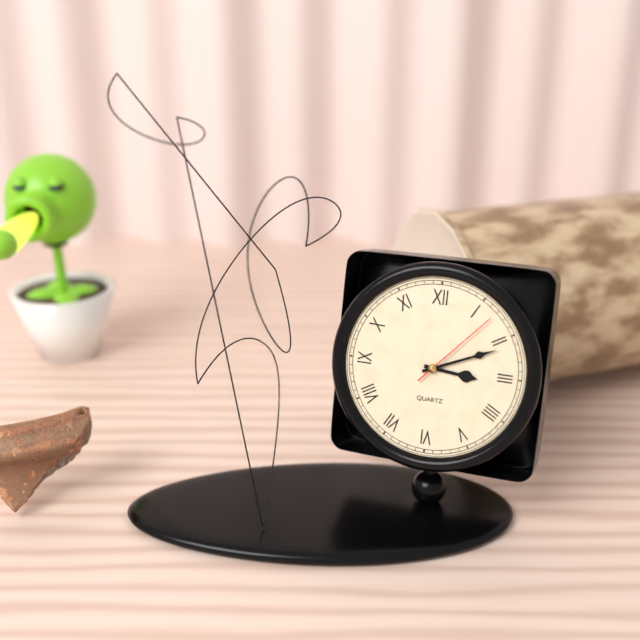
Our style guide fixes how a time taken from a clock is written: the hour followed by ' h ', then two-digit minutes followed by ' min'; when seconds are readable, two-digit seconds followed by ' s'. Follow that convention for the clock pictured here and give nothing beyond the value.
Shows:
3 h 11 min 07 s
